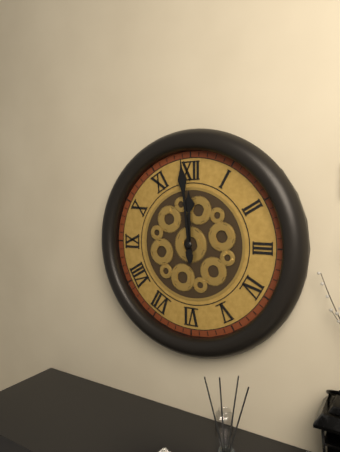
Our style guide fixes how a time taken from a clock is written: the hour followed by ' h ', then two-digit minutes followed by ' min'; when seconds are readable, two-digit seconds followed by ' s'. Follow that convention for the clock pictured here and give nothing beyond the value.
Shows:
11 h 59 min
